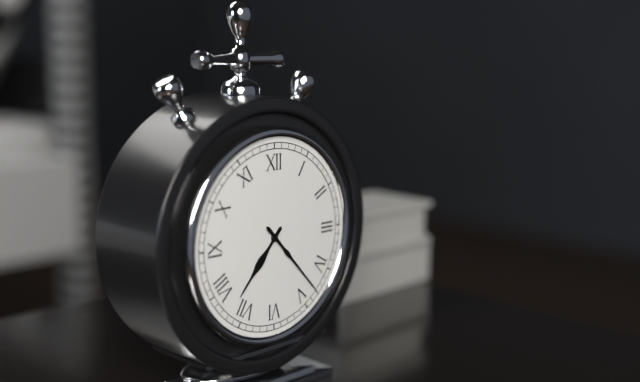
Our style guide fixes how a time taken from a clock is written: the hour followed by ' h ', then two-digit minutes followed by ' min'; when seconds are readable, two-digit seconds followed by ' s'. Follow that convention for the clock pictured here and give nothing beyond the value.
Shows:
7 h 23 min
